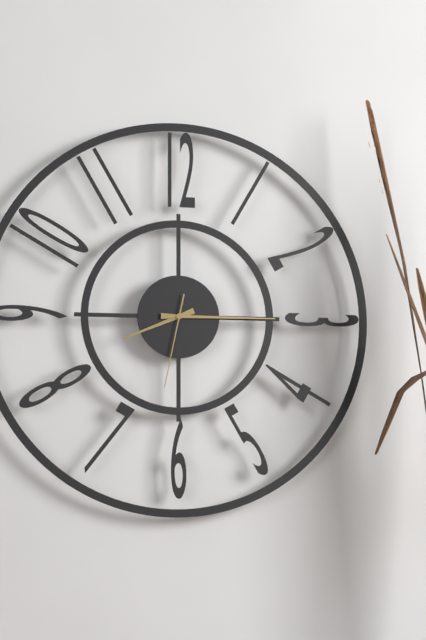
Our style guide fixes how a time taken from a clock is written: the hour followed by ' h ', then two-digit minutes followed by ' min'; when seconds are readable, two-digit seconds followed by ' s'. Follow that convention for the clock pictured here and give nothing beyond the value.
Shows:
8 h 15 min 32 s
